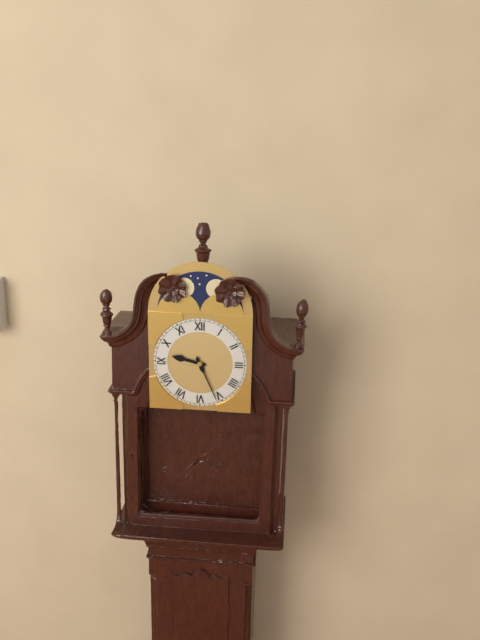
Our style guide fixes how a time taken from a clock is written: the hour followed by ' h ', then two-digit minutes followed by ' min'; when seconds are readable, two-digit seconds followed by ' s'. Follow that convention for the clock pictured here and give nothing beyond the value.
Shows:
9 h 26 min
